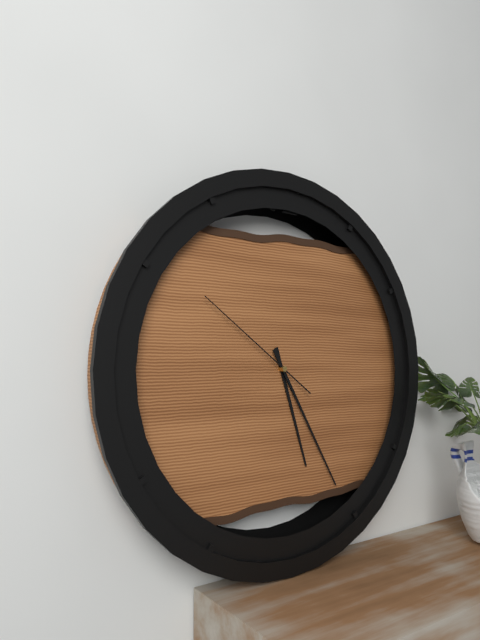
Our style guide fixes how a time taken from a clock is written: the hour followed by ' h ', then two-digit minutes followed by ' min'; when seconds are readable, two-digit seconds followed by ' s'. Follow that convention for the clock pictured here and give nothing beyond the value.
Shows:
5 h 25 min 51 s
